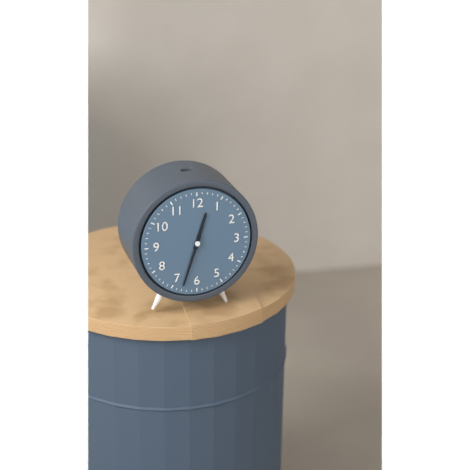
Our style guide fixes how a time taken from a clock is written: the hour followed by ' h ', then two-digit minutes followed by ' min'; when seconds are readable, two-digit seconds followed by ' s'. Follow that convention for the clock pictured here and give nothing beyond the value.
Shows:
12 h 33 min
